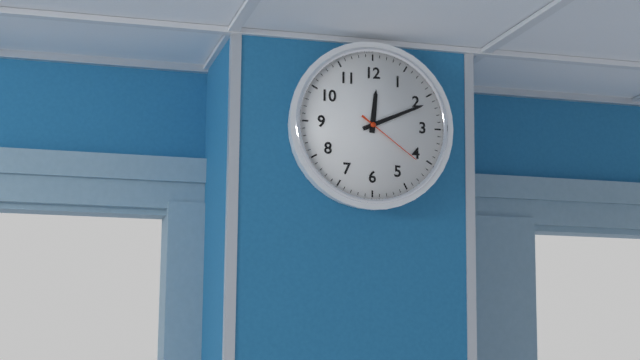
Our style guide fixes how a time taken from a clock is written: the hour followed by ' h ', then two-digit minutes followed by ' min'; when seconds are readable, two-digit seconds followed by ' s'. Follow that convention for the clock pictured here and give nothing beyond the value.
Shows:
12 h 11 min 21 s
